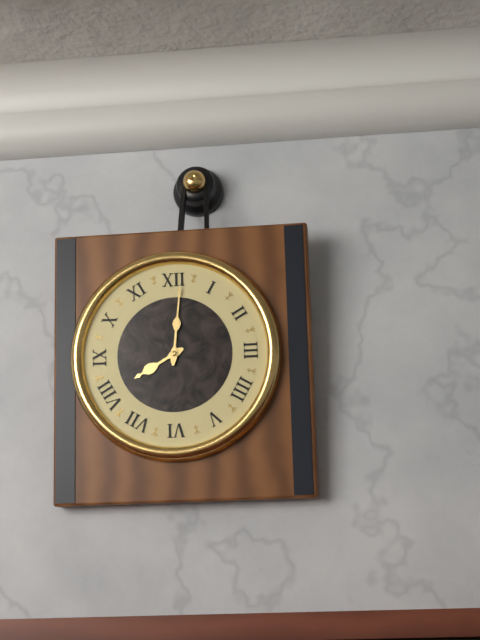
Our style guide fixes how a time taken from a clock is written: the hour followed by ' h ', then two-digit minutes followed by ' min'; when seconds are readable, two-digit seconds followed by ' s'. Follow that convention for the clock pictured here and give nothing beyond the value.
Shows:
8 h 01 min
